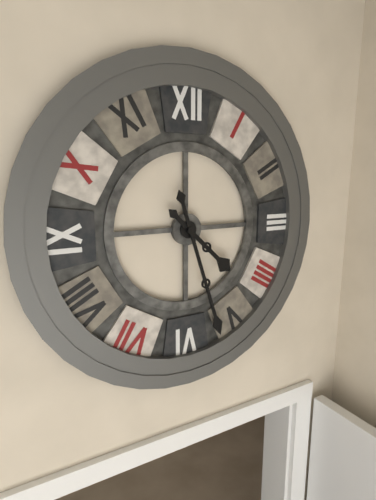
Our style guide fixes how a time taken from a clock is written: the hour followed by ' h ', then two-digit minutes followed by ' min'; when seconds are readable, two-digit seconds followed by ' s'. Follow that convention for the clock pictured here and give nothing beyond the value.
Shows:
4 h 27 min
